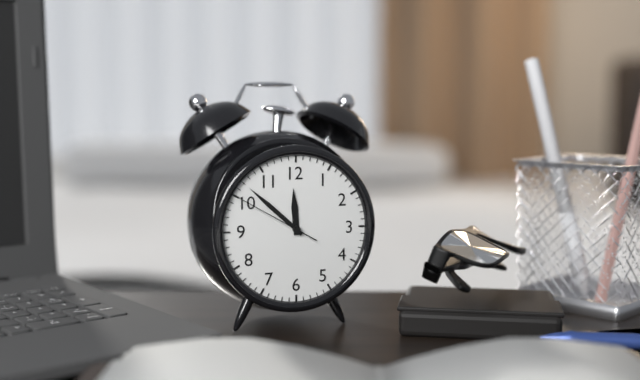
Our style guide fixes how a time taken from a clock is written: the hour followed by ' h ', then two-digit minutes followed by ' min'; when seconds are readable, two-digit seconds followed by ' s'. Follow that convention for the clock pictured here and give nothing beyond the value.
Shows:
11 h 52 min 50 s
